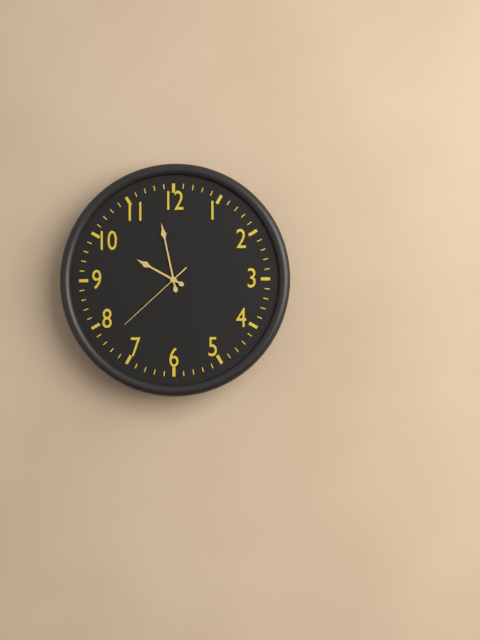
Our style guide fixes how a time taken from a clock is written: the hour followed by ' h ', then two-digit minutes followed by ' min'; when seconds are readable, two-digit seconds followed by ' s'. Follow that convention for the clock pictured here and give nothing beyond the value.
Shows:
9 h 58 min 38 s
